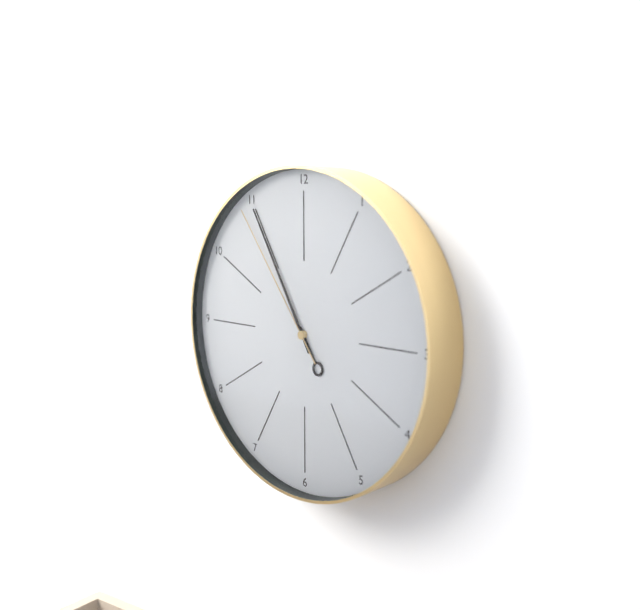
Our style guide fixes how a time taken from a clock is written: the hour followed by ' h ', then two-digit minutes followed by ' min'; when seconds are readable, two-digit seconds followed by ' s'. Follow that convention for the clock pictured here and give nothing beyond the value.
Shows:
4 h 55 min 54 s
